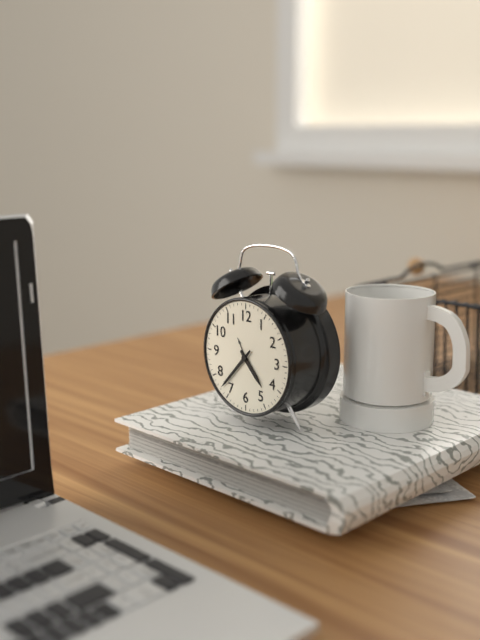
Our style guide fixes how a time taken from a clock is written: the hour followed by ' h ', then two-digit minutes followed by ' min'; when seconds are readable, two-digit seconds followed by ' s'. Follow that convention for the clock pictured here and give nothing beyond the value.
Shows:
4 h 37 min
